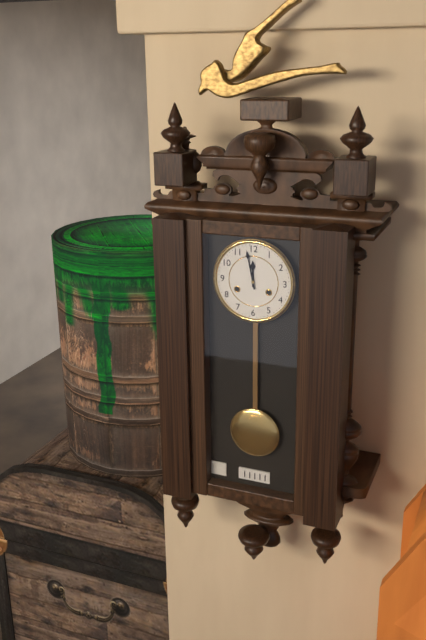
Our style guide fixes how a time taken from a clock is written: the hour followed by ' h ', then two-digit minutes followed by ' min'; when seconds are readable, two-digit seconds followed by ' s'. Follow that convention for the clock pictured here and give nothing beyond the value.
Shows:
11 h 58 min
